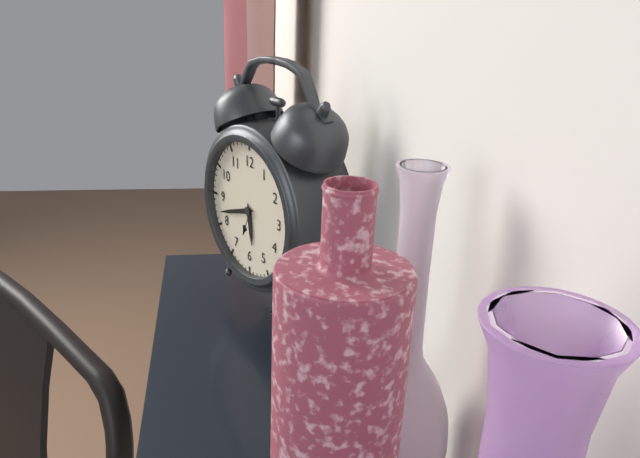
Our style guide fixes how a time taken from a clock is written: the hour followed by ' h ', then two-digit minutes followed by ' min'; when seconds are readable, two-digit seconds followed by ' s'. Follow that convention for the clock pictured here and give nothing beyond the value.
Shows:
5 h 42 min
